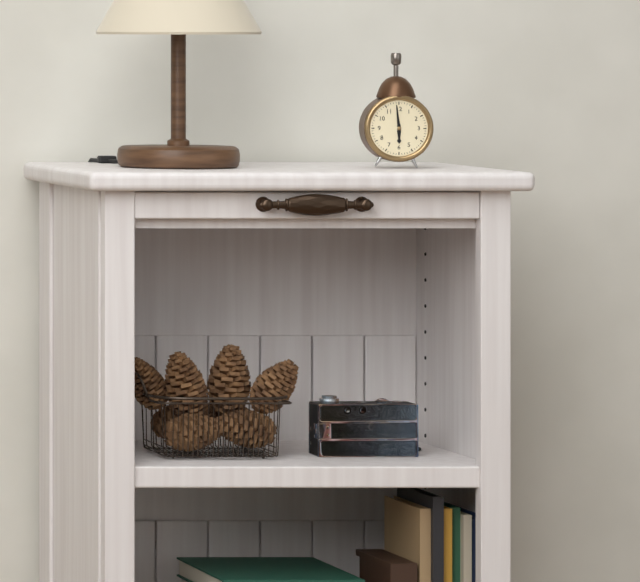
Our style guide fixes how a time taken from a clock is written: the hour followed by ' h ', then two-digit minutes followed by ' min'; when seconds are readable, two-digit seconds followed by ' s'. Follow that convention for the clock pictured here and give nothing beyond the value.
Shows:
5 h 59 min
